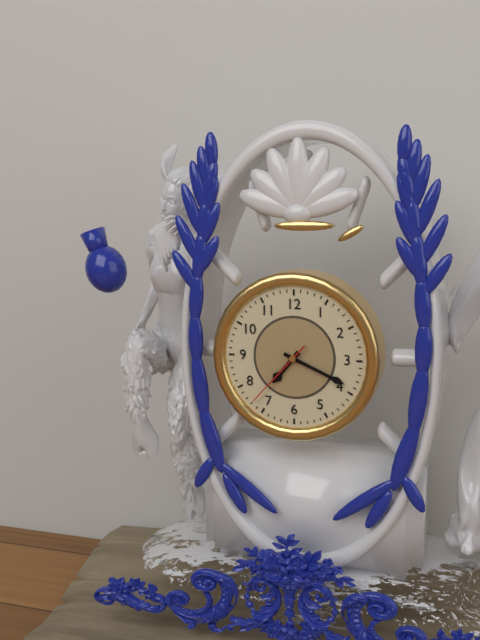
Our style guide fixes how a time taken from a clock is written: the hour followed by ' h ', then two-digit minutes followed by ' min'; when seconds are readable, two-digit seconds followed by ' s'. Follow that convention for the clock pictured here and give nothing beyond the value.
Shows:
7 h 19 min 37 s
